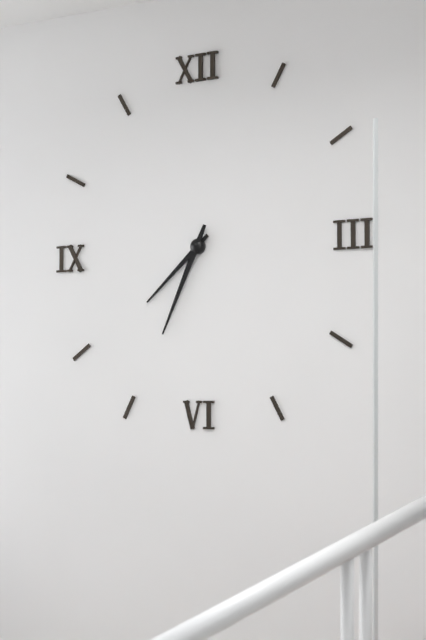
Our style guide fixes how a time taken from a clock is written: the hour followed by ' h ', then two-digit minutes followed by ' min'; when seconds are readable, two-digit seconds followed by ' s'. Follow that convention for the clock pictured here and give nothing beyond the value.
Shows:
7 h 34 min
